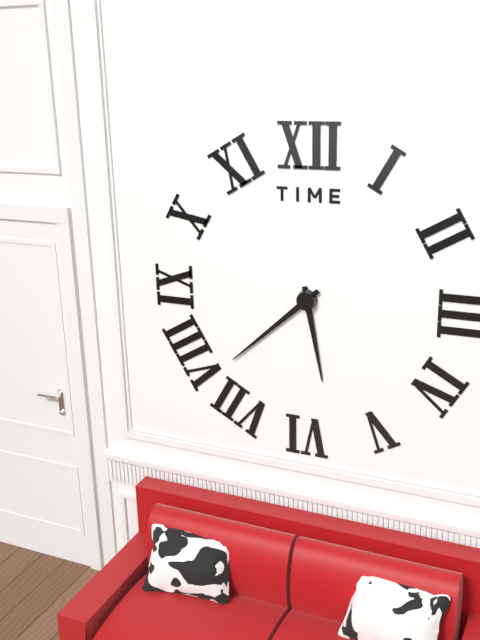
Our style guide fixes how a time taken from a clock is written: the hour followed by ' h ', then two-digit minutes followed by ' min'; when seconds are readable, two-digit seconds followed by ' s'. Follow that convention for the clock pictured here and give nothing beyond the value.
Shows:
5 h 38 min
